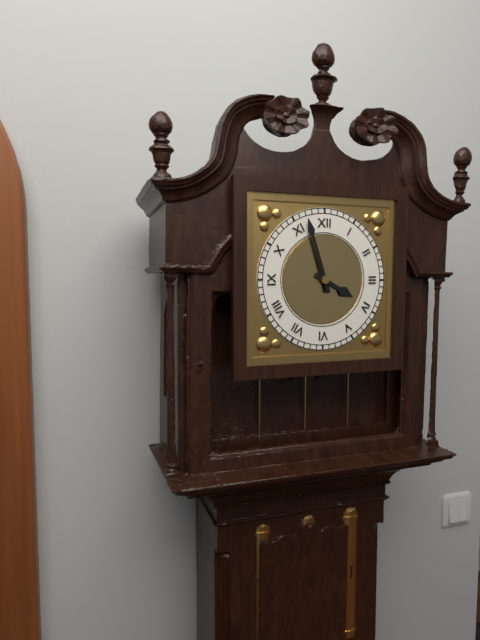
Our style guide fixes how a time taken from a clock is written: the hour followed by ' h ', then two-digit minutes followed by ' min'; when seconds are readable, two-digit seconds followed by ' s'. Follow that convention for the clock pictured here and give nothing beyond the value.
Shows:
3 h 57 min
